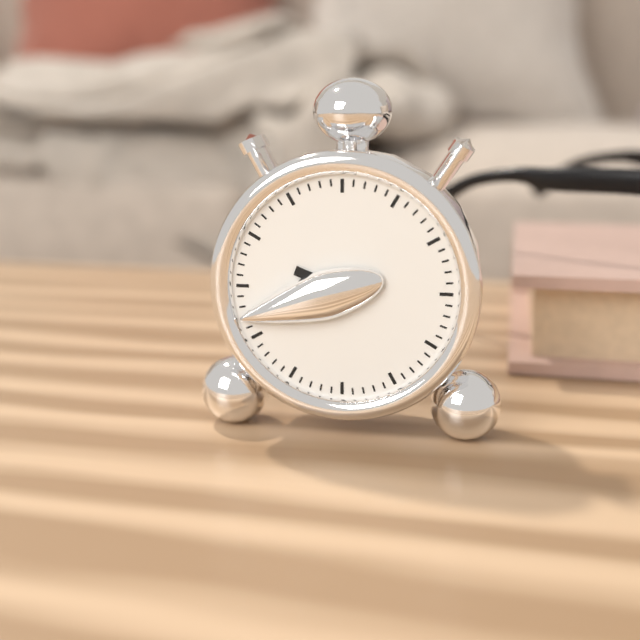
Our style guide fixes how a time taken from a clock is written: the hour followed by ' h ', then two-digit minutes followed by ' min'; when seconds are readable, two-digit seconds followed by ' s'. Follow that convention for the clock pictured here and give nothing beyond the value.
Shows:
9 h 42 min
